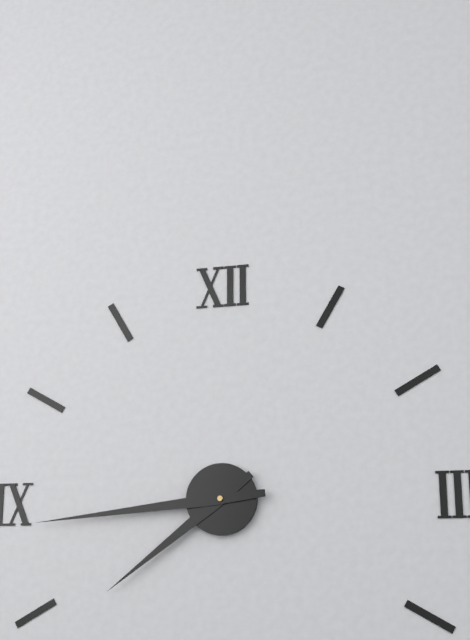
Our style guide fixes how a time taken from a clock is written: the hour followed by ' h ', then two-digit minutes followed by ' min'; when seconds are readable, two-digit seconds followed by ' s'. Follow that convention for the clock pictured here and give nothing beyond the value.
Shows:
7 h 44 min
